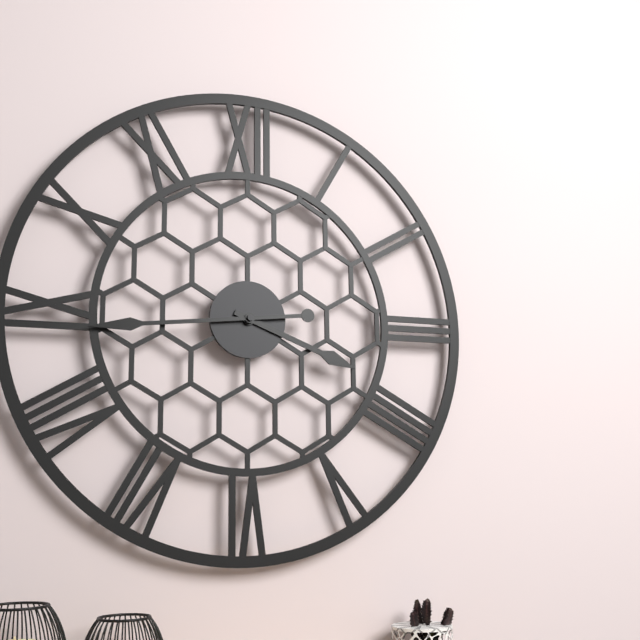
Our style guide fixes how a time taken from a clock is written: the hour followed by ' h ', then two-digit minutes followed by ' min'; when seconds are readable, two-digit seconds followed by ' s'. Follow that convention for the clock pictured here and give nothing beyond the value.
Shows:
3 h 44 min
